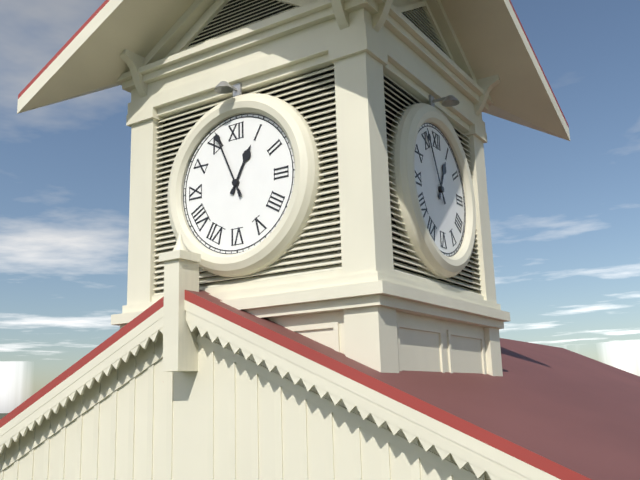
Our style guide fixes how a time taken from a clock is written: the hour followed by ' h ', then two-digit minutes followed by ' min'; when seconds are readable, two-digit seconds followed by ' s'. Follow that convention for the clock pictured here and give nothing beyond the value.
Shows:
12 h 56 min
